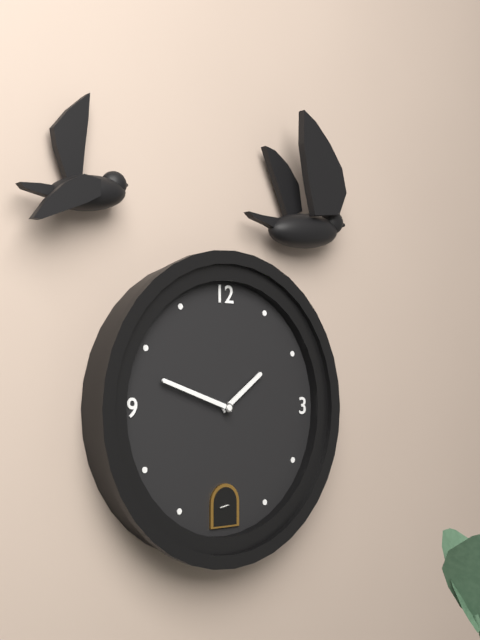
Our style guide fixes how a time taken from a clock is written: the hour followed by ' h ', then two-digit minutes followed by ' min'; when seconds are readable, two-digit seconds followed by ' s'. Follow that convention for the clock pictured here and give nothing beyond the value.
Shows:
1 h 48 min
